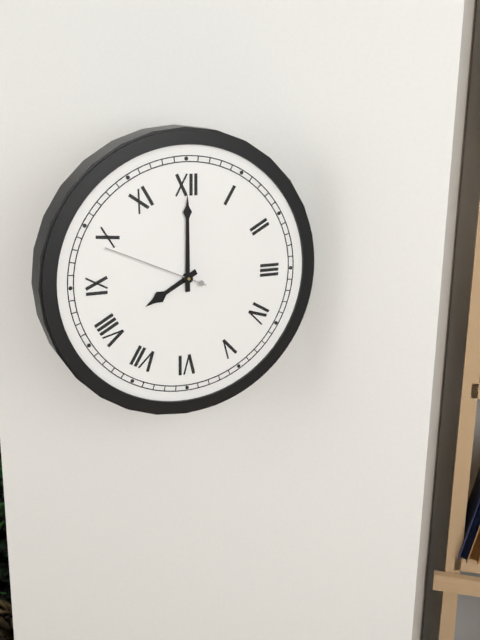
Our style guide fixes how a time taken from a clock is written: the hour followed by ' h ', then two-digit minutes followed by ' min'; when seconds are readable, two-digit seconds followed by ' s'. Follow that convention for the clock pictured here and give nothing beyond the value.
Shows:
8 h 00 min 49 s
